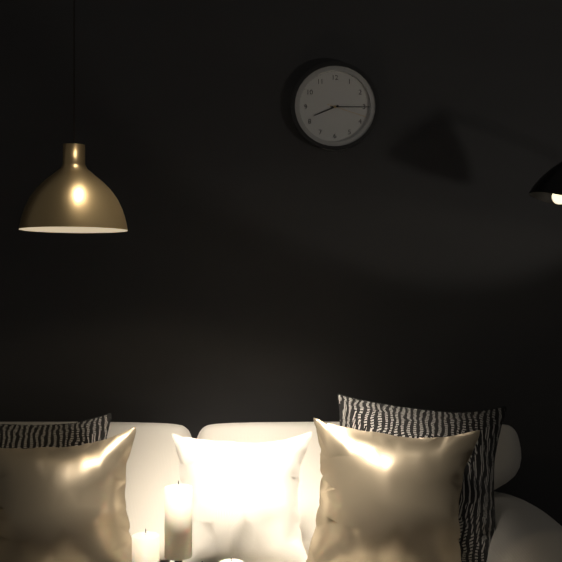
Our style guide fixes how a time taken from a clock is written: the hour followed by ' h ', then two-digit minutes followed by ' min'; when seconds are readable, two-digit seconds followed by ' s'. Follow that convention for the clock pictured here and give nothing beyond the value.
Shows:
8 h 15 min
